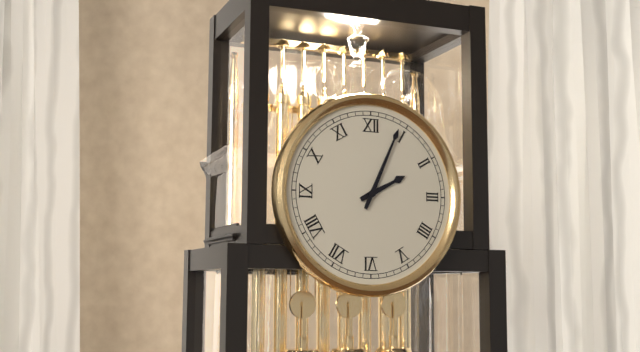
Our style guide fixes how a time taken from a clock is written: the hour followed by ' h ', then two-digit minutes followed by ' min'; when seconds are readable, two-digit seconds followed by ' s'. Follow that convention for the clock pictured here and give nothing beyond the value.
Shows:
2 h 04 min
